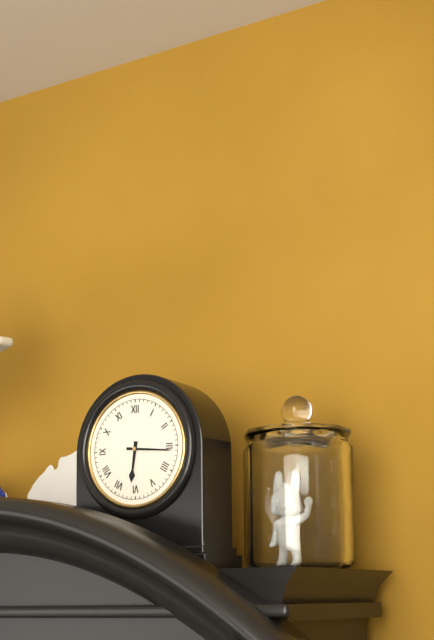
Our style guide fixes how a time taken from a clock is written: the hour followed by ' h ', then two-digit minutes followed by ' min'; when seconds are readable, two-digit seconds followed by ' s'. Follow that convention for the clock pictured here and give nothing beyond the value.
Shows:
6 h 16 min
